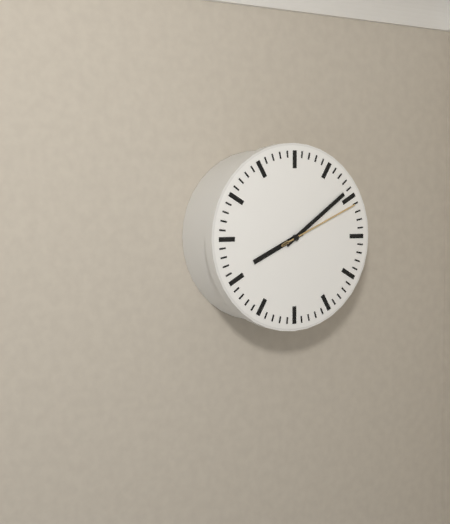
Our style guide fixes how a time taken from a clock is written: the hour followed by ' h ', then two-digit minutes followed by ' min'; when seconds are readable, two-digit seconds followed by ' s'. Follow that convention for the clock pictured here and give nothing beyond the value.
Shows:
8 h 09 min 11 s
